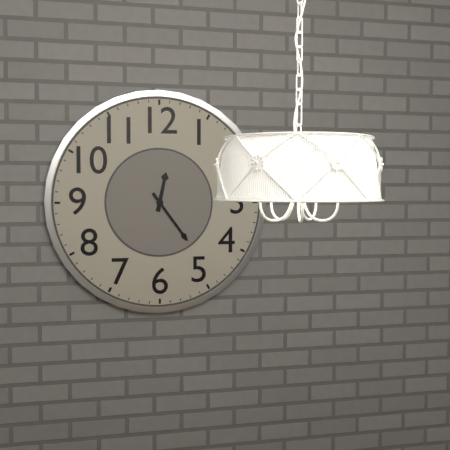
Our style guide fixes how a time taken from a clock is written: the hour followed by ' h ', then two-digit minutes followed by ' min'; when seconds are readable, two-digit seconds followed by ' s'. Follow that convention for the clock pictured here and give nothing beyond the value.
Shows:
12 h 24 min
